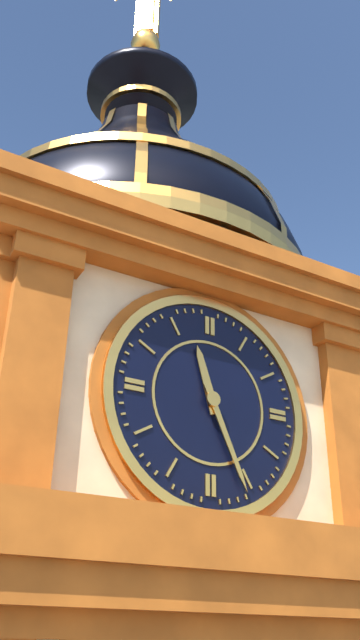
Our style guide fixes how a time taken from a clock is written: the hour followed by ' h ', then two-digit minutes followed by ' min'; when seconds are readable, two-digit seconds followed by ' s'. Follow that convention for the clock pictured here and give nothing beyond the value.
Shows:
11 h 26 min
